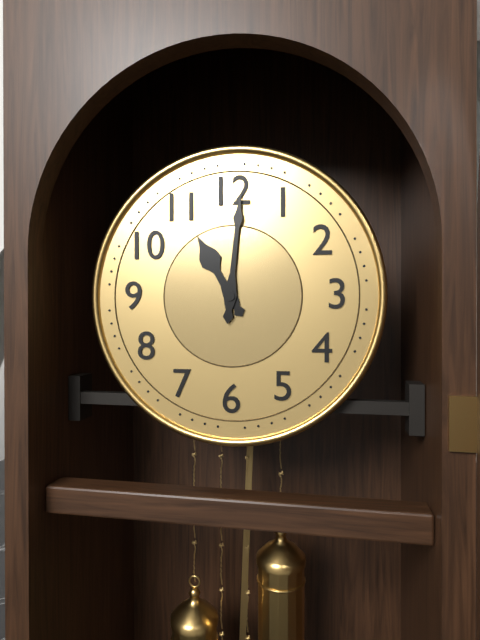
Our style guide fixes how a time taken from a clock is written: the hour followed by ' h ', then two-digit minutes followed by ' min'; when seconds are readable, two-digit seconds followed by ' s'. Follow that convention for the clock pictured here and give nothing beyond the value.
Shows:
11 h 01 min
